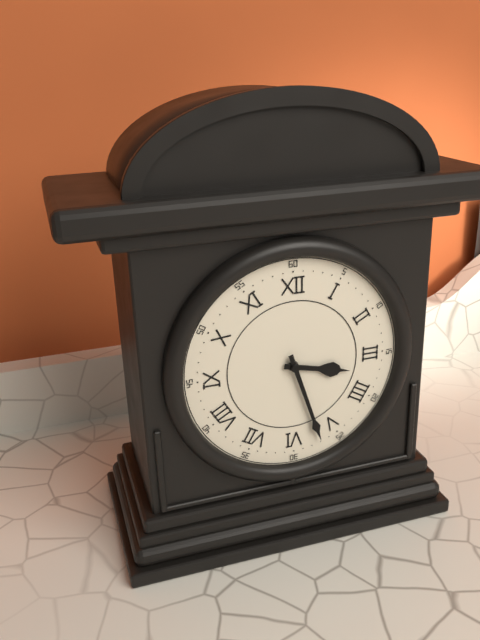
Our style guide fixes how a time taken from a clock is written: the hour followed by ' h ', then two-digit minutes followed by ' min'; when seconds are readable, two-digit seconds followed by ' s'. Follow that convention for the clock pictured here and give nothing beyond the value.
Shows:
3 h 27 min
